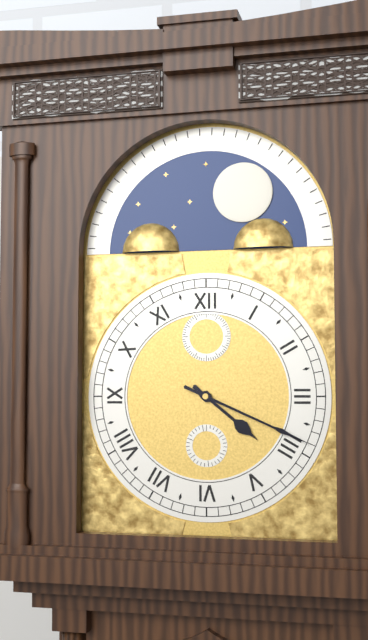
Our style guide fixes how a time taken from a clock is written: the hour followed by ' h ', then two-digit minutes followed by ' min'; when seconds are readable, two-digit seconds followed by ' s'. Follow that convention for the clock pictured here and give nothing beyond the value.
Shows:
4 h 19 min
